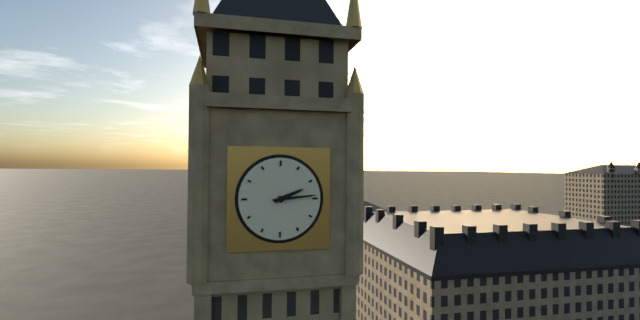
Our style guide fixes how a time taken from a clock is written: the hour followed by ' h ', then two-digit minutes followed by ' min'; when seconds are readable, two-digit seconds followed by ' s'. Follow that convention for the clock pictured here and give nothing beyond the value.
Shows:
2 h 14 min
